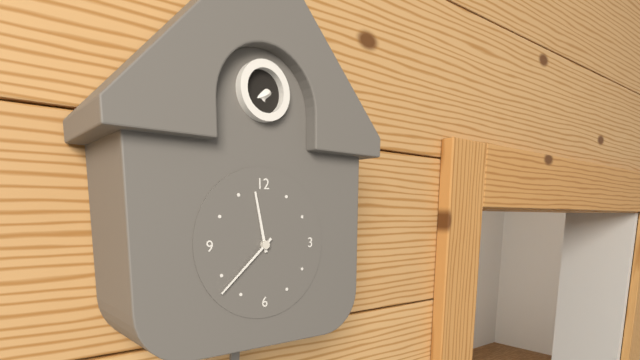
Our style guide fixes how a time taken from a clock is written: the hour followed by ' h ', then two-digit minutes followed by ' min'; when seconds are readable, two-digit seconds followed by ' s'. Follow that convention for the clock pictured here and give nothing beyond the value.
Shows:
11 h 38 min
